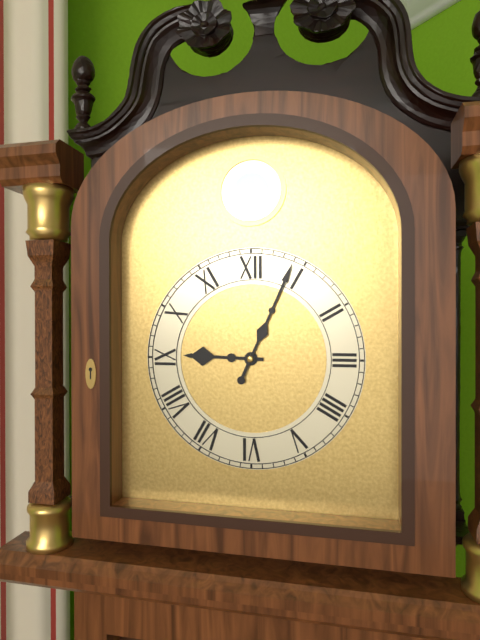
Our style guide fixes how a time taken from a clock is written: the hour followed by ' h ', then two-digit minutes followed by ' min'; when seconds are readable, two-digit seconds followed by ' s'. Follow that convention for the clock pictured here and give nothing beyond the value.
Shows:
9 h 04 min
